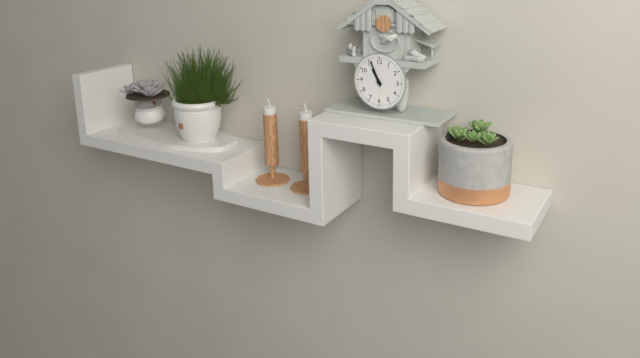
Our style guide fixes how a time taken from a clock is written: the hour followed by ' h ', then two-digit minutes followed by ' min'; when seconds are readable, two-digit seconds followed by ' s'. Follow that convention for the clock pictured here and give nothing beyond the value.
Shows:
10 h 56 min
